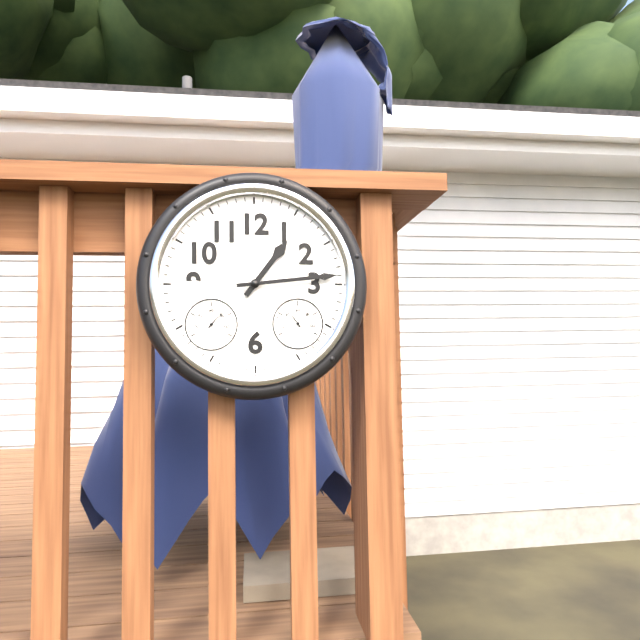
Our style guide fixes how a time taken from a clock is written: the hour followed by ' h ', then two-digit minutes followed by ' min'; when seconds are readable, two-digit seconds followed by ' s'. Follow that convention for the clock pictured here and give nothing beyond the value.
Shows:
1 h 14 min
